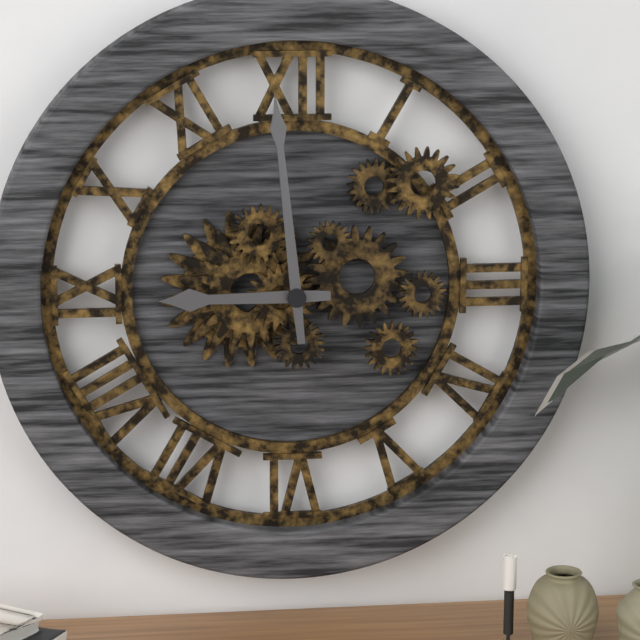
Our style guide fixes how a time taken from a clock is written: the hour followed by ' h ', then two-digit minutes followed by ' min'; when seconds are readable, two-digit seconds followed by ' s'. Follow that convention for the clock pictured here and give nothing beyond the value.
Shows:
8 h 59 min
